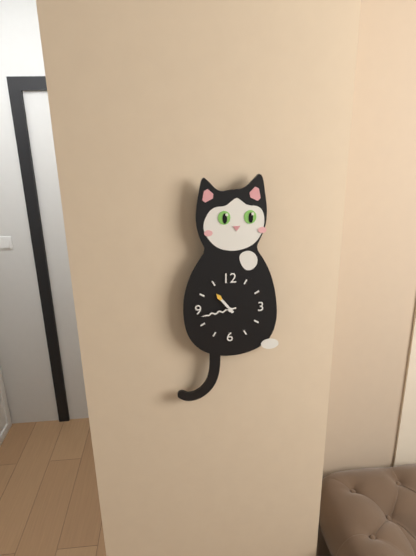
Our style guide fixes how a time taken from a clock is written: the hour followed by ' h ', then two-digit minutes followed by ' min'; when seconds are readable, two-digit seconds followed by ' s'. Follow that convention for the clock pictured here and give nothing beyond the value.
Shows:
10 h 43 min
